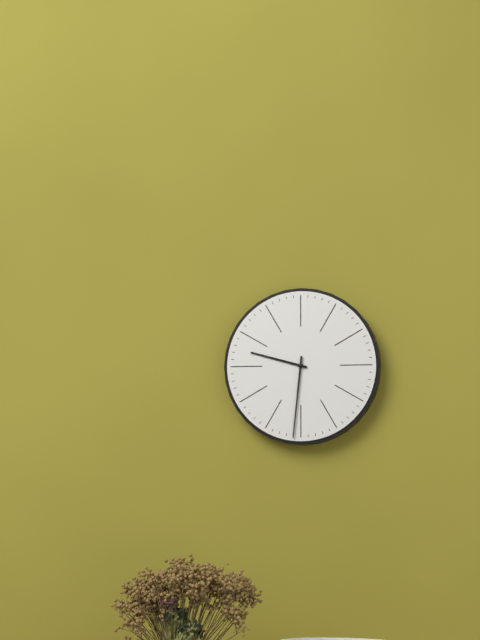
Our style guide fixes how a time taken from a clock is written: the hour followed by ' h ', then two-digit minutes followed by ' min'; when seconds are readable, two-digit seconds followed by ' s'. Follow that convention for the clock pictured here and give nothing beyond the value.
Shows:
9 h 31 min
